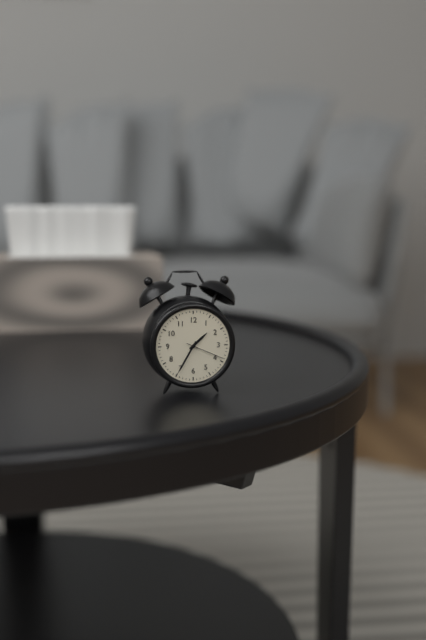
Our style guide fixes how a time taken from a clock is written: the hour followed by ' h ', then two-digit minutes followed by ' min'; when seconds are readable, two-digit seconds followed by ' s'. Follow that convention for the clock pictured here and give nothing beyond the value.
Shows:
1 h 35 min
